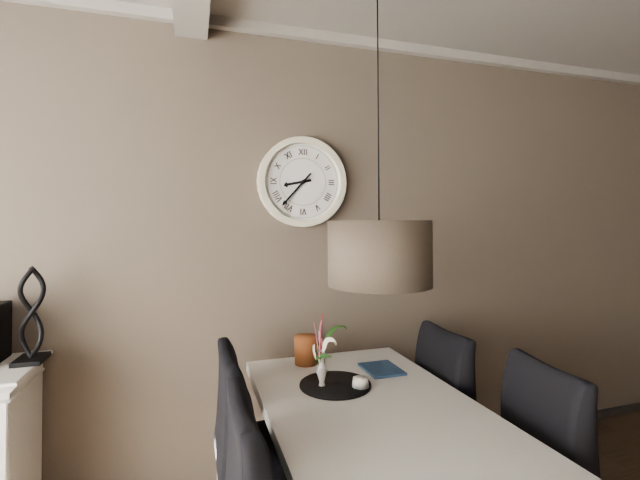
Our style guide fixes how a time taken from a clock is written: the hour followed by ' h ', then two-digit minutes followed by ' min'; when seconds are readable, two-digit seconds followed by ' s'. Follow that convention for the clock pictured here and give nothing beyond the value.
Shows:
8 h 37 min
